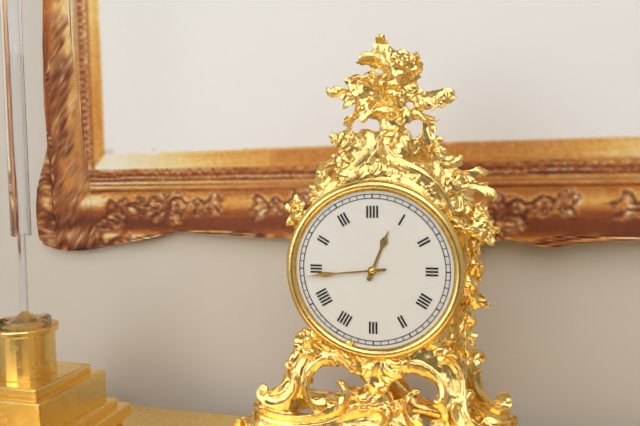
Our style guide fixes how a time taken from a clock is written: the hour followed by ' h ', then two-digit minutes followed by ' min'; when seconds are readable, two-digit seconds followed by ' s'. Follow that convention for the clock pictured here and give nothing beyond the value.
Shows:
12 h 44 min
